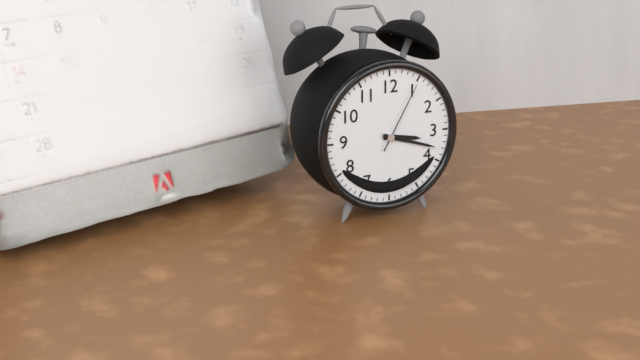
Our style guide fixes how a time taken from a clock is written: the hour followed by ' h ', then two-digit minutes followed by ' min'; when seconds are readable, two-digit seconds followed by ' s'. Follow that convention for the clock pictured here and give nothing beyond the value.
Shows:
3 h 18 min 05 s
